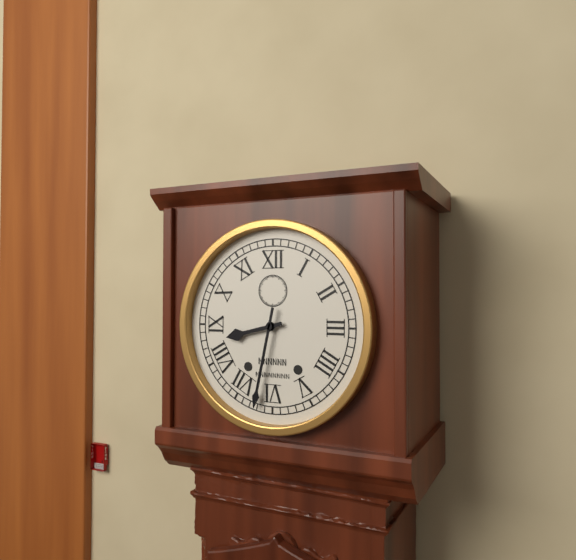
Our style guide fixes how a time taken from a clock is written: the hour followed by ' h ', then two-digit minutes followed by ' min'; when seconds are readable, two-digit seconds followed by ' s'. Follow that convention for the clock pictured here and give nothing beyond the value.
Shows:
8 h 32 min
